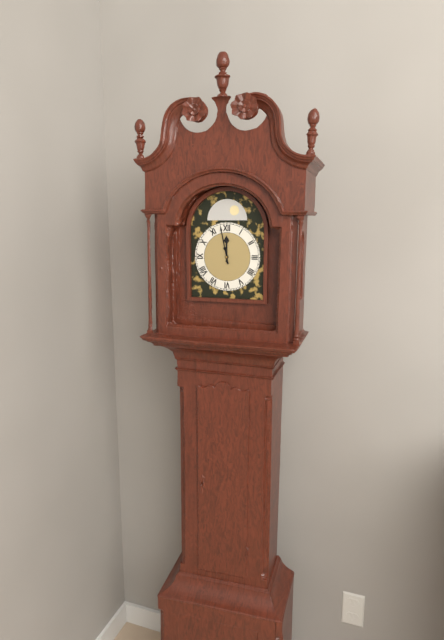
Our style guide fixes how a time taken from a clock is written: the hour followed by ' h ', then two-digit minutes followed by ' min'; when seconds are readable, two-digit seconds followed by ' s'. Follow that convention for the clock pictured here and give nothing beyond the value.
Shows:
11 h 58 min
